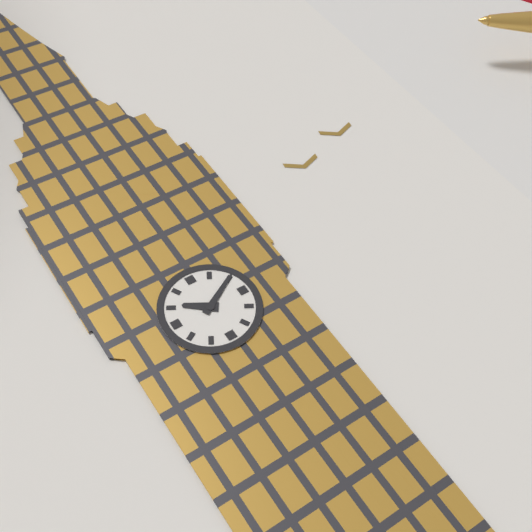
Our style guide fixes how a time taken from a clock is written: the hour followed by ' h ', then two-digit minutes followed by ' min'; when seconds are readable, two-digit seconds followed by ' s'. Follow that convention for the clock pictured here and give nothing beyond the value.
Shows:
10 h 10 min
